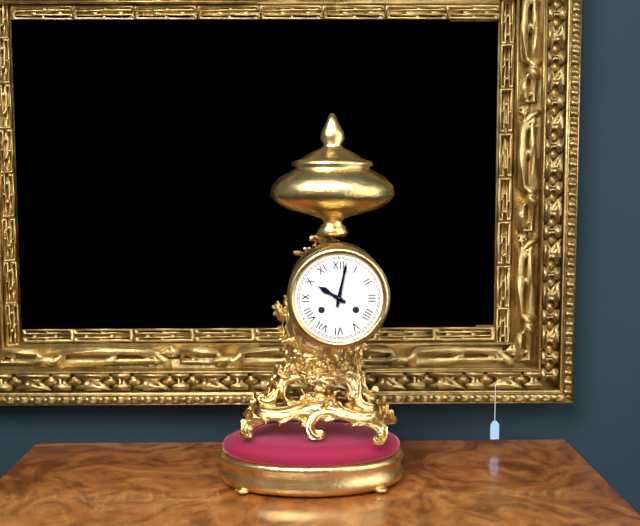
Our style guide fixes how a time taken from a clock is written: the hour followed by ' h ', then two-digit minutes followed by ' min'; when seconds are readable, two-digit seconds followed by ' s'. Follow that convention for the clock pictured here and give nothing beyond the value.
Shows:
10 h 02 min
